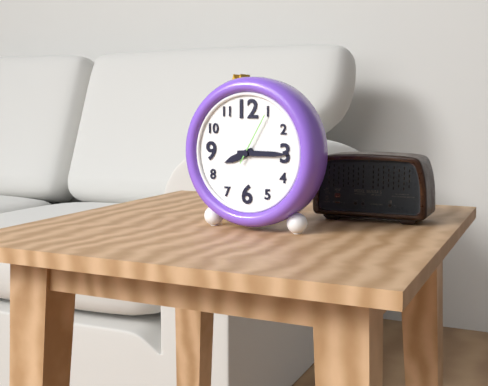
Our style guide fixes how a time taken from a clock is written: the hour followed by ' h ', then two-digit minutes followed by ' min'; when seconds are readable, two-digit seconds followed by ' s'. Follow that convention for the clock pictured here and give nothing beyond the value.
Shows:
8 h 15 min 05 s
